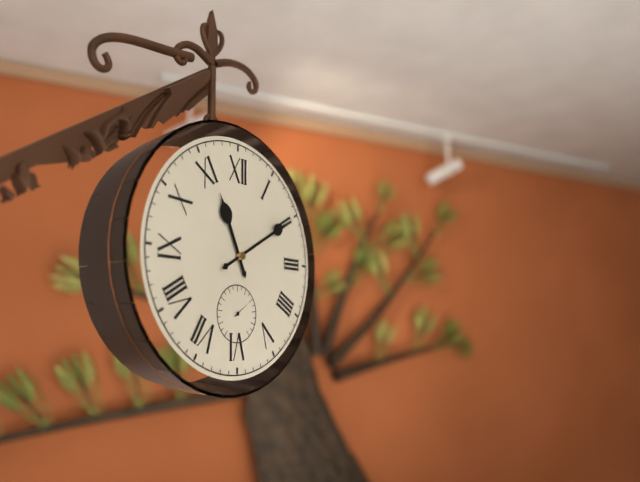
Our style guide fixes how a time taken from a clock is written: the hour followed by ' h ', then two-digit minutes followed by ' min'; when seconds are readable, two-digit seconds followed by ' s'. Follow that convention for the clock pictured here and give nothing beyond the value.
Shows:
11 h 10 min
